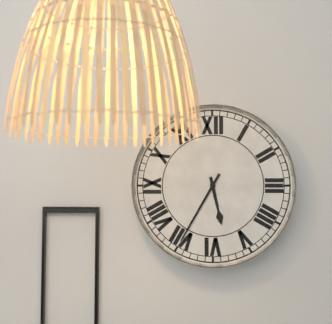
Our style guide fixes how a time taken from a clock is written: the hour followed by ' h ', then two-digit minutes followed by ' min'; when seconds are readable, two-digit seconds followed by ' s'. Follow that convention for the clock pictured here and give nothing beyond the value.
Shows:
5 h 35 min
